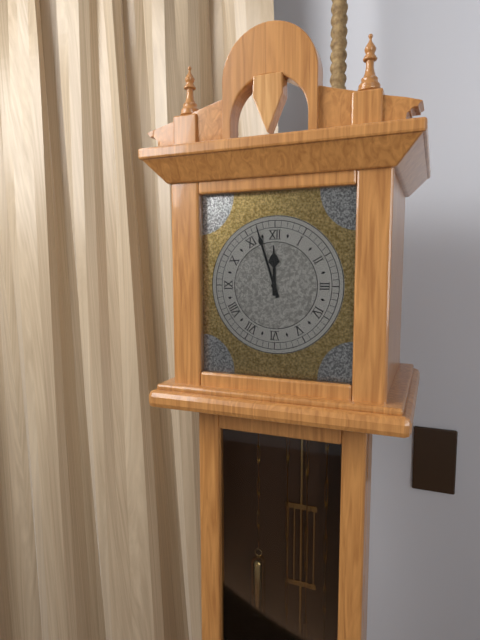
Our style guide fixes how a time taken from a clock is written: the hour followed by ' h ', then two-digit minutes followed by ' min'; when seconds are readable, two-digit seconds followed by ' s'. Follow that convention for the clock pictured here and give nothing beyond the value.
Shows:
11 h 57 min
